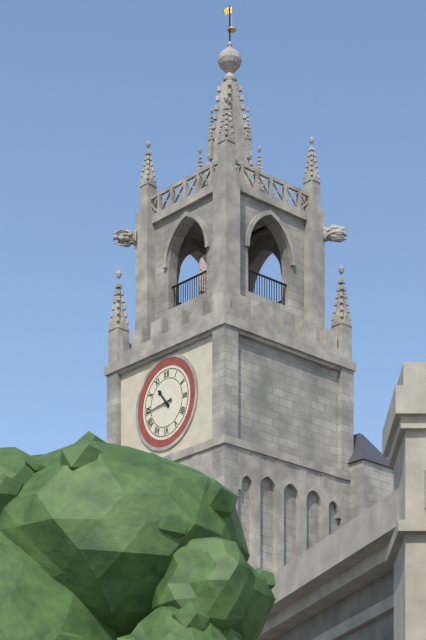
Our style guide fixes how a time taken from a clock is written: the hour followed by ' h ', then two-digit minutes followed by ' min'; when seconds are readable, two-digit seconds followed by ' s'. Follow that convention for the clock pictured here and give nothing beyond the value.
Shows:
10 h 44 min
